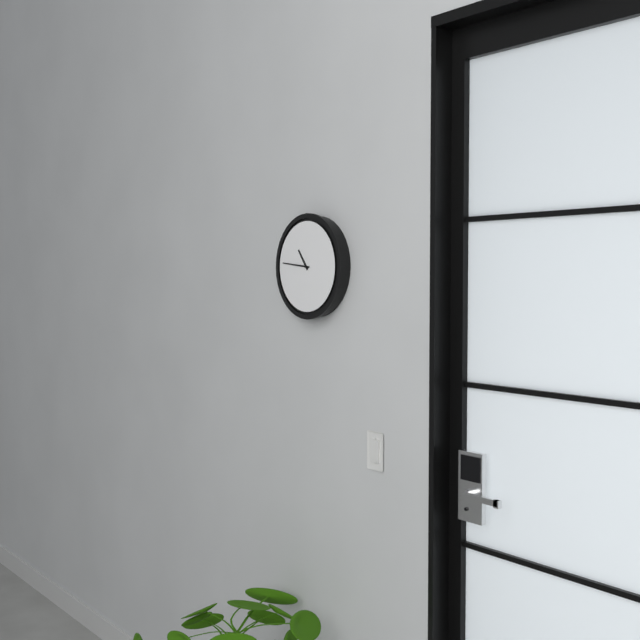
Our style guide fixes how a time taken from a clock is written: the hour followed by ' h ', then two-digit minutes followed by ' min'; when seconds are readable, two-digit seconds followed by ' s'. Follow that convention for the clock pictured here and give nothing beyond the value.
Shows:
10 h 46 min
